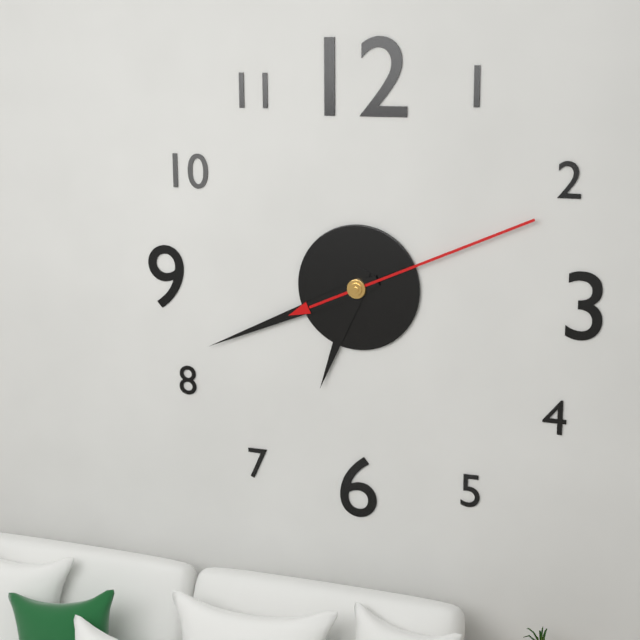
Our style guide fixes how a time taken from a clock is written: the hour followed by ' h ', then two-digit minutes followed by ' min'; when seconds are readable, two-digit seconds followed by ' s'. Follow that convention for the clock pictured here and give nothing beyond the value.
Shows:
6 h 41 min 11 s
